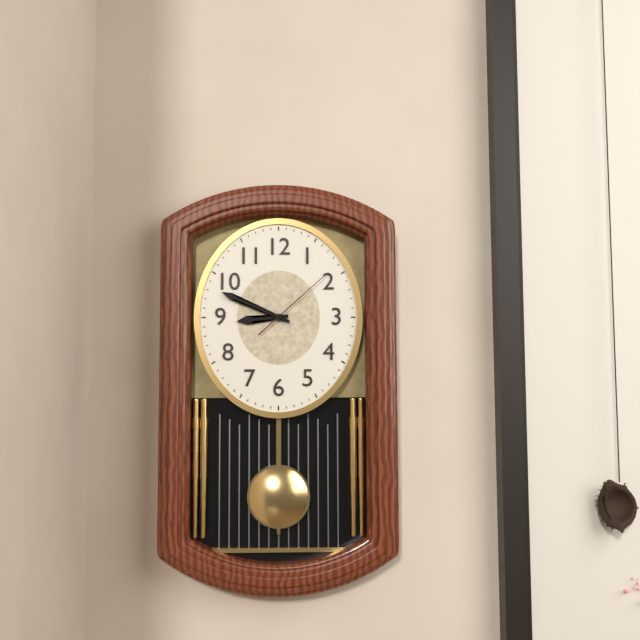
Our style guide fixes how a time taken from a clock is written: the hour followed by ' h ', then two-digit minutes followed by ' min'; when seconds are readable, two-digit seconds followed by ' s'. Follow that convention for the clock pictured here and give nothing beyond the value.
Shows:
8 h 49 min 08 s
